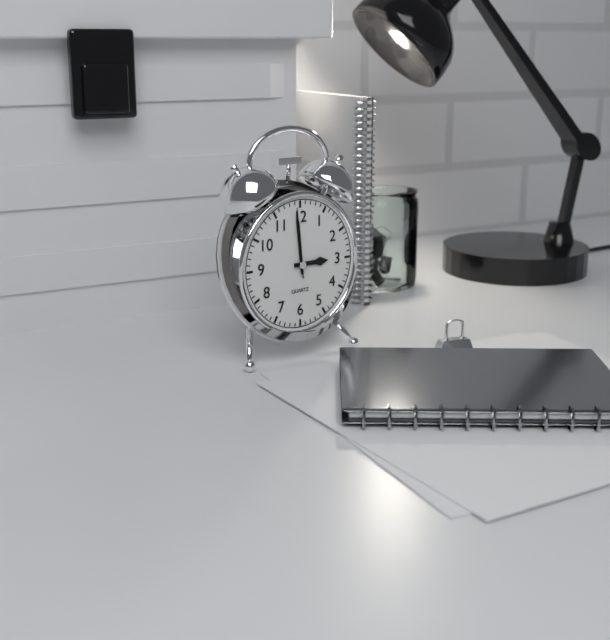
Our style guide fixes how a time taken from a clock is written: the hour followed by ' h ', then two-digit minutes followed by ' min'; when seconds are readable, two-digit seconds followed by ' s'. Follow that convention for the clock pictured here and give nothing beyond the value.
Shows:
2 h 59 min 59 s
